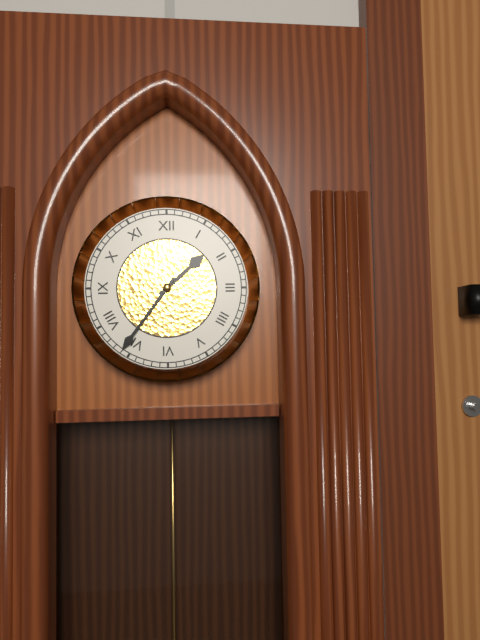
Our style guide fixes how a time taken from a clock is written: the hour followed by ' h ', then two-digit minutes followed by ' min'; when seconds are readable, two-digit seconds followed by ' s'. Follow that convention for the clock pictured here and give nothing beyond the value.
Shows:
1 h 36 min
